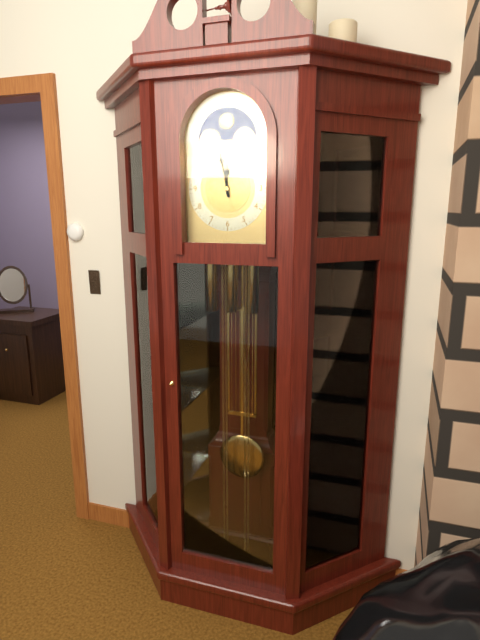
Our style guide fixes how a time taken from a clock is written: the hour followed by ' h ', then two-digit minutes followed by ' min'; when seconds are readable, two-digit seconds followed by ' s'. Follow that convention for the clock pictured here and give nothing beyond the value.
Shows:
11 h 58 min
